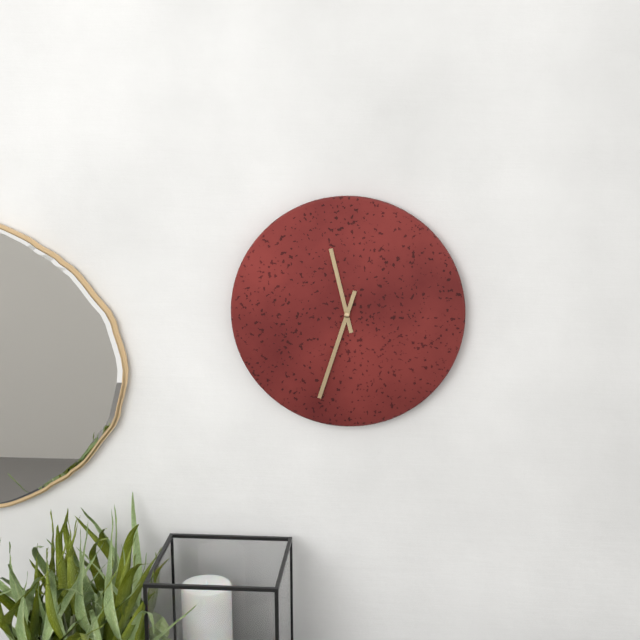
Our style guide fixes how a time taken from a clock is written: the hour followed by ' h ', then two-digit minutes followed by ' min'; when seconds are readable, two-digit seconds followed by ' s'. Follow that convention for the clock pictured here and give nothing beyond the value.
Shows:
11 h 33 min
